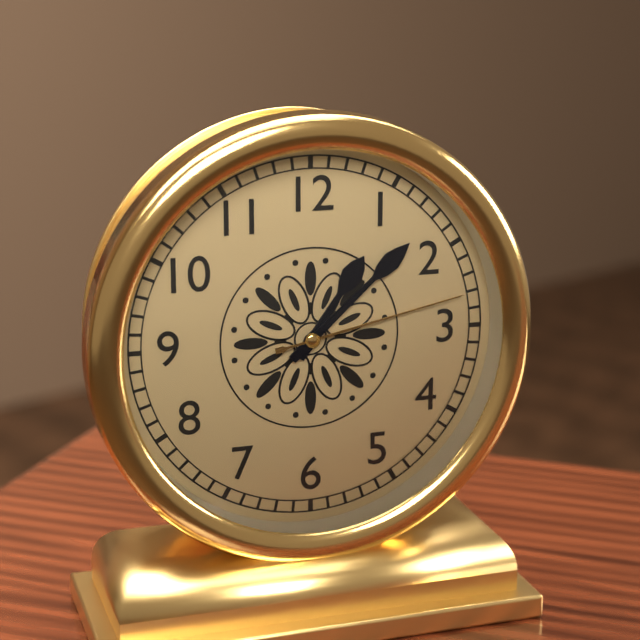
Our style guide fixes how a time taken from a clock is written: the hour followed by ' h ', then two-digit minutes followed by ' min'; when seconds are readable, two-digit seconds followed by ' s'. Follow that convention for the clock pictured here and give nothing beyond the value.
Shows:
1 h 08 min 13 s
